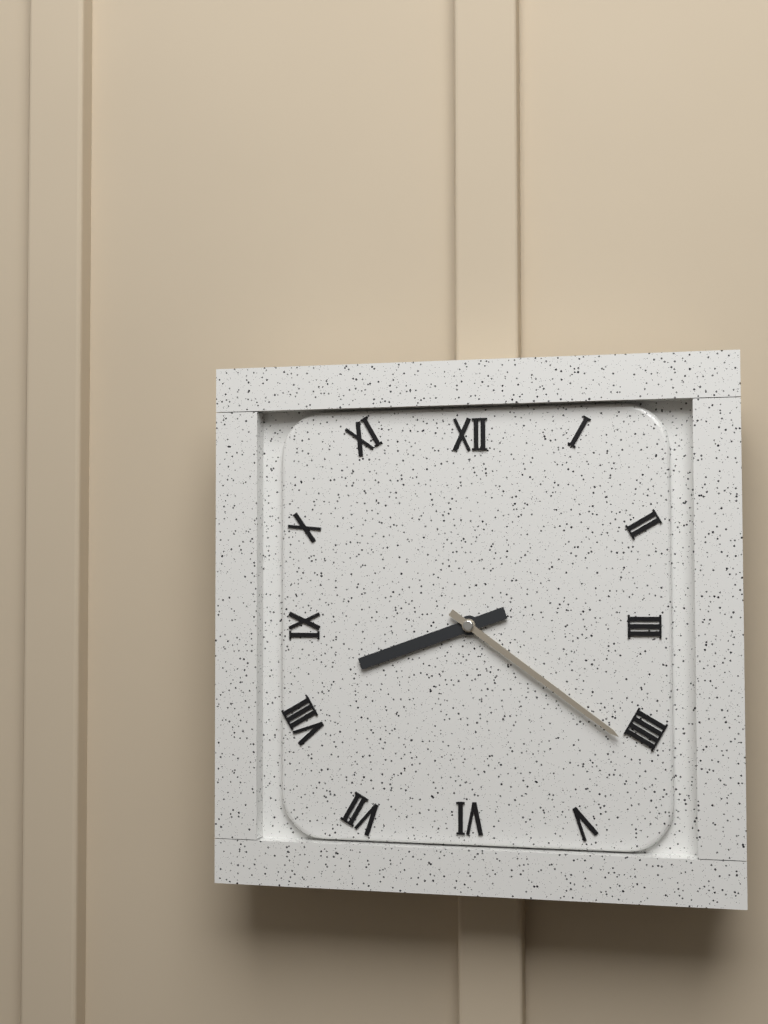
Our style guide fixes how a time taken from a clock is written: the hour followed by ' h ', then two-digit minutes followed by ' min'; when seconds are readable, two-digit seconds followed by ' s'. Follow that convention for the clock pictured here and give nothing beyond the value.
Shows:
8 h 21 min
